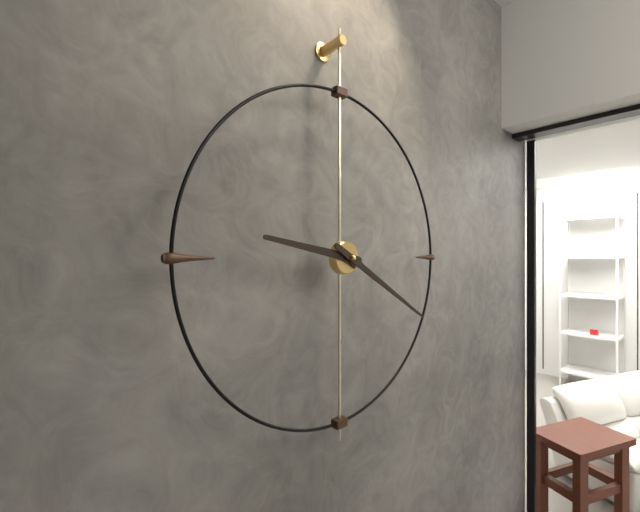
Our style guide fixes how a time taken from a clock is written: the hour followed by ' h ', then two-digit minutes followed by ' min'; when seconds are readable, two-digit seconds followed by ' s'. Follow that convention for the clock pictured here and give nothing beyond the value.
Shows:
9 h 20 min
